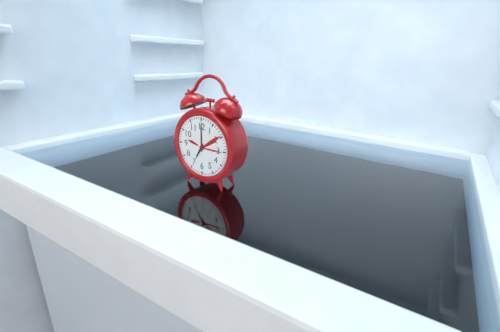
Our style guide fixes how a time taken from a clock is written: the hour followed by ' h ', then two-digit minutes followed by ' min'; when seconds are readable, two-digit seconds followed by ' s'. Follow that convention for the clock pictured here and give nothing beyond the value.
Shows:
7 h 00 min
